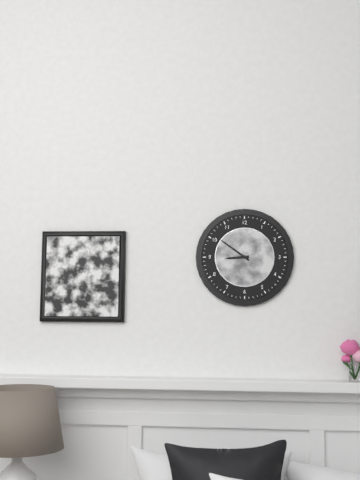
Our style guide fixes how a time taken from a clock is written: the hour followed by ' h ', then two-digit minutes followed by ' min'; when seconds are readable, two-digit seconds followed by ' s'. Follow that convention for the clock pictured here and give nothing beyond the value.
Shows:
8 h 51 min
